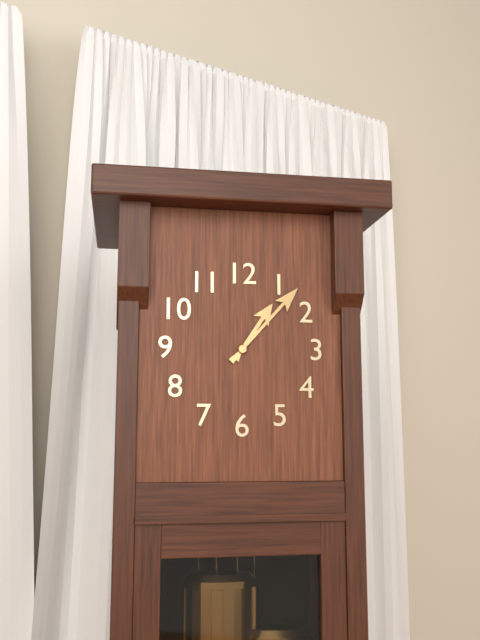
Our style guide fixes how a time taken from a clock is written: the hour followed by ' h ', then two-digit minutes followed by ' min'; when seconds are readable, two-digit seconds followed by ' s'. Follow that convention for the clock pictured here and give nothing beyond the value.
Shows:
1 h 07 min
